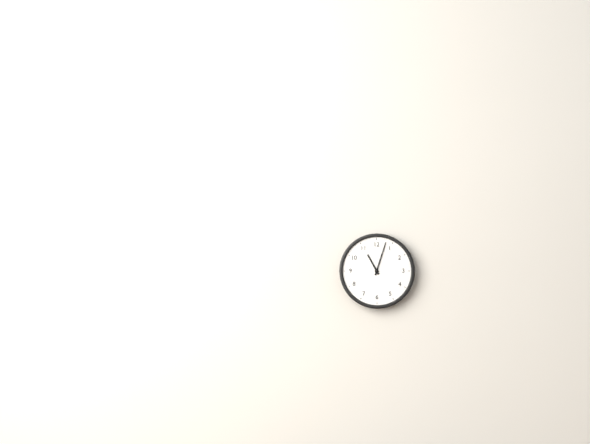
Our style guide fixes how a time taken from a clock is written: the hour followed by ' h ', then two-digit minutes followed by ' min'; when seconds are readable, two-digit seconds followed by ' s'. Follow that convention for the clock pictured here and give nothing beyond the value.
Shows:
11 h 03 min
